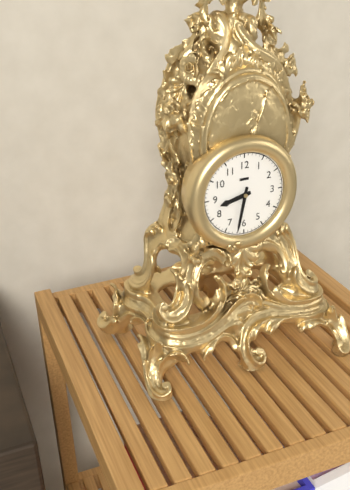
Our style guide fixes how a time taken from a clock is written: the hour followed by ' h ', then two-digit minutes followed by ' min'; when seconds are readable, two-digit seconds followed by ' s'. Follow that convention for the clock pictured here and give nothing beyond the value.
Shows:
8 h 32 min
